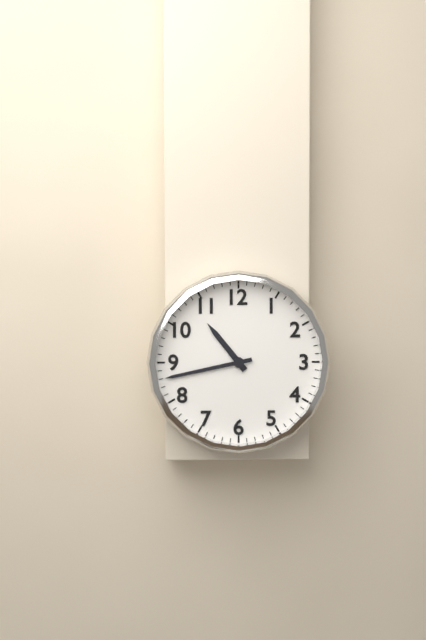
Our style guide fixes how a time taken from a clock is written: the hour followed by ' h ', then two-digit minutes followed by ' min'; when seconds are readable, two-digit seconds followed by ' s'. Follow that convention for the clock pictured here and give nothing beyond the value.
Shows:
10 h 43 min
